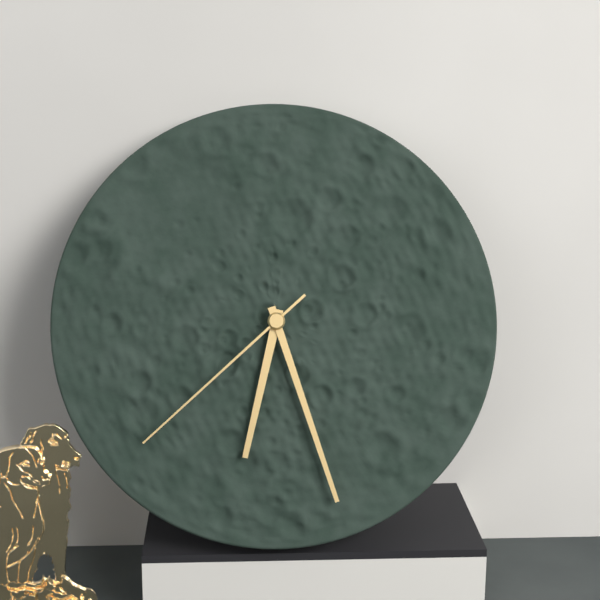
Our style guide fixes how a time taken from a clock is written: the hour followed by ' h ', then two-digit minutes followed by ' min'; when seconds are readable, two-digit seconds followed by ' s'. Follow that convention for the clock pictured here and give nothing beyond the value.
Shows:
6 h 27 min 38 s
